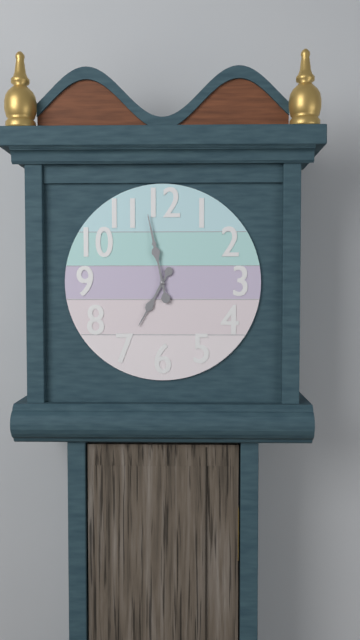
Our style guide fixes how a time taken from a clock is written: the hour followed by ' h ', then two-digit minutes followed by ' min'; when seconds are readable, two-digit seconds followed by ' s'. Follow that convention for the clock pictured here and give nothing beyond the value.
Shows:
6 h 58 min
